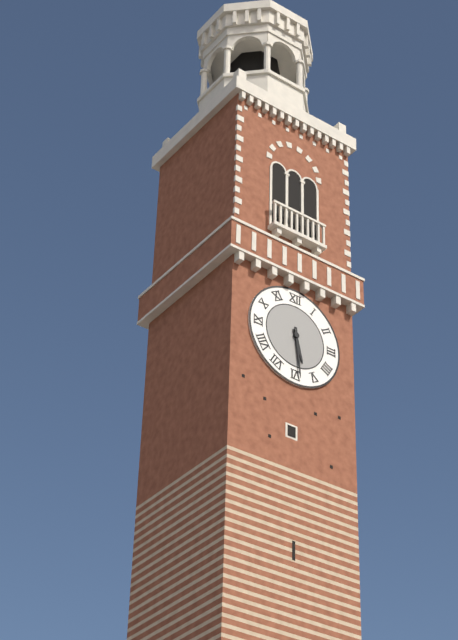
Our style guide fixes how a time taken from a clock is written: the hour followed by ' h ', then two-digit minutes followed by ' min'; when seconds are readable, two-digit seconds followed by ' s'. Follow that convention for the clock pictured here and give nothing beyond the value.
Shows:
5 h 29 min
